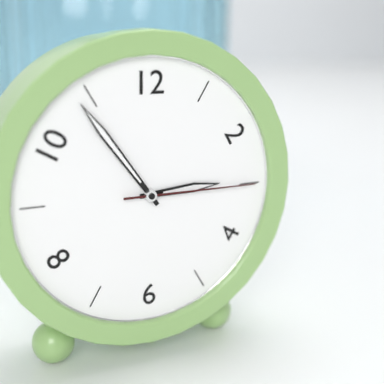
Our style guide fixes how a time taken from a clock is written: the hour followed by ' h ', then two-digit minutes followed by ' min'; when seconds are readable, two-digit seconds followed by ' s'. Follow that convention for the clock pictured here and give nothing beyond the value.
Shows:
2 h 54 min 15 s
